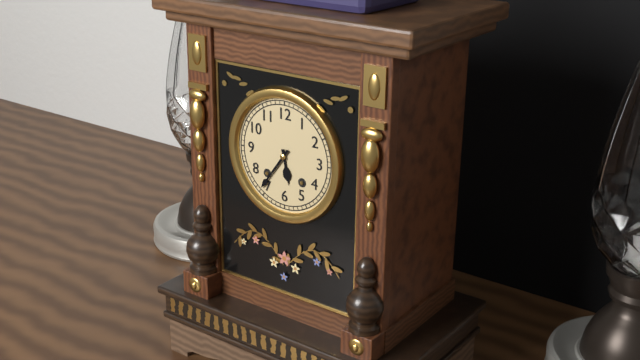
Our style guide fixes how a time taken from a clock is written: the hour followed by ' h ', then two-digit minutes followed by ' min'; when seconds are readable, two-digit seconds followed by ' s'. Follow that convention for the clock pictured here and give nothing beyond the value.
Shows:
5 h 36 min
